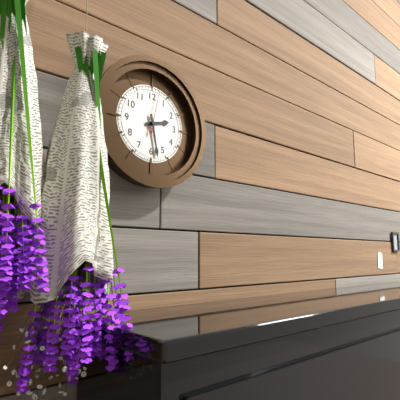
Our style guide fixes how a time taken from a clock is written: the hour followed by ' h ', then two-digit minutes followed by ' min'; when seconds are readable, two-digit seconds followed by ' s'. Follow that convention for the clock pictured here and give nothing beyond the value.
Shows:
2 h 28 min
